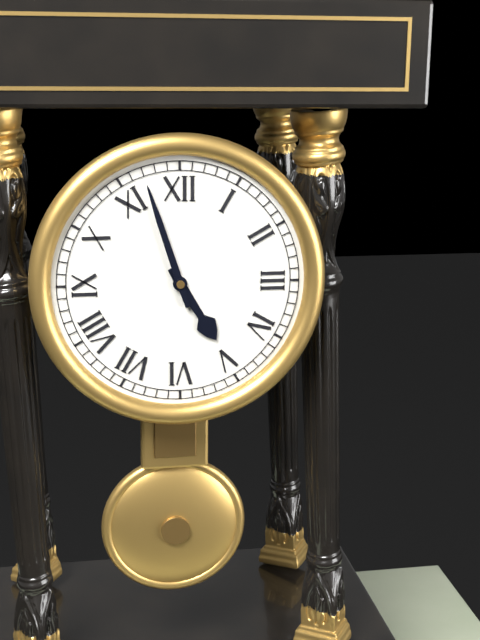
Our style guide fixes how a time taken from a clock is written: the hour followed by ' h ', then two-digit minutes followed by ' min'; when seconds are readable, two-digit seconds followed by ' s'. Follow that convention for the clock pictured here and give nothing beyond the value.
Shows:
4 h 57 min
